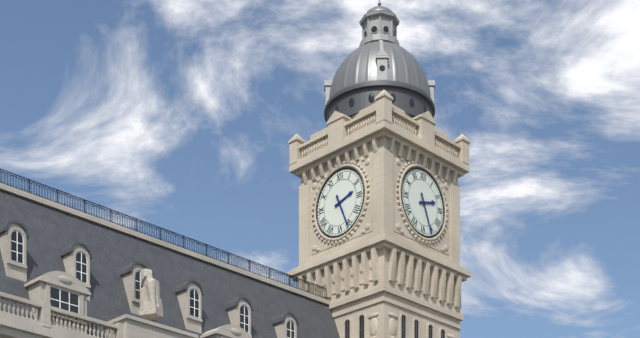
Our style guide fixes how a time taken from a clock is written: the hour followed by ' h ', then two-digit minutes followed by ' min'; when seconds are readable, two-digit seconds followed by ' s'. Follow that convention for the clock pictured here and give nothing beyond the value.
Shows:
2 h 26 min
